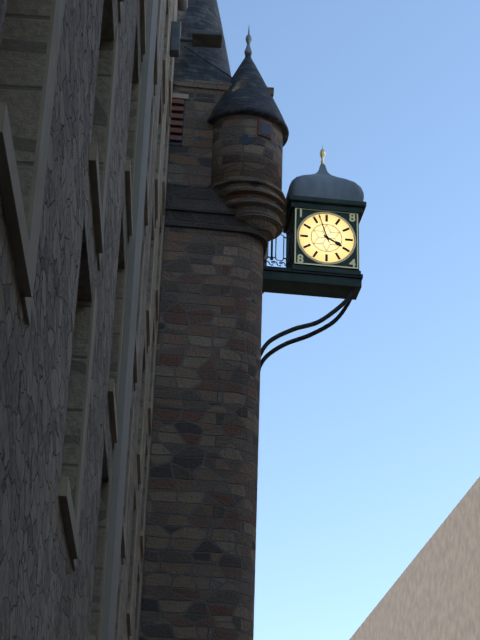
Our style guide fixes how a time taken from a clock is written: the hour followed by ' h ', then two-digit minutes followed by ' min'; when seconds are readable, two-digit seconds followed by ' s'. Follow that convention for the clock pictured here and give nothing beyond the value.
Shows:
3 h 57 min
